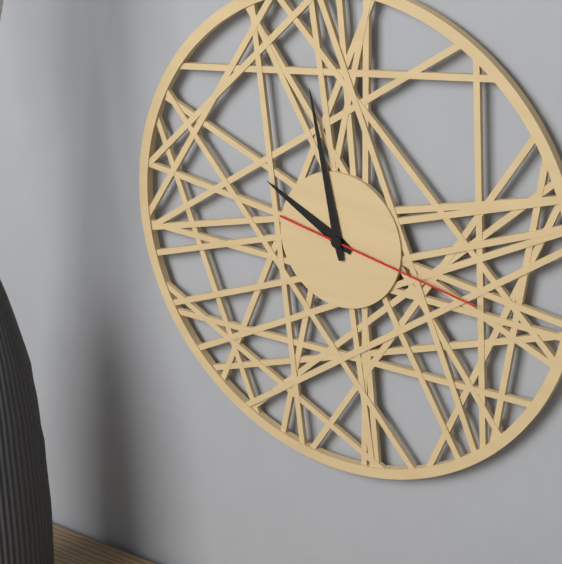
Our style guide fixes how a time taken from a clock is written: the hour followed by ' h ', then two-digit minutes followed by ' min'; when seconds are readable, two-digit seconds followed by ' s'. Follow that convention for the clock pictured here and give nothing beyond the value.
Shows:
9 h 58 min 17 s
